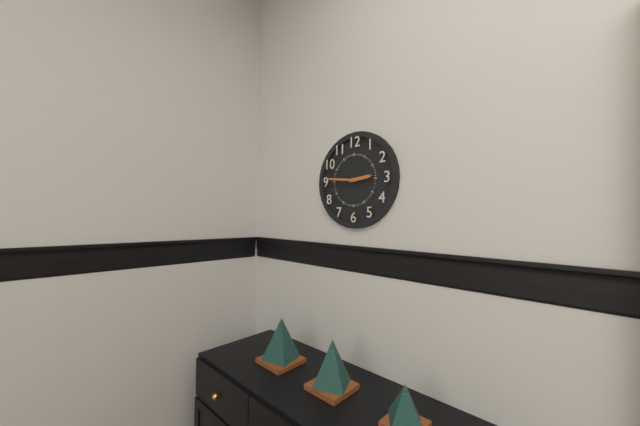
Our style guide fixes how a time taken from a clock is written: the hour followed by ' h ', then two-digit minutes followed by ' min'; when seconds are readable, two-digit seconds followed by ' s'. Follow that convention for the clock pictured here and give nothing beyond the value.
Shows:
2 h 46 min
